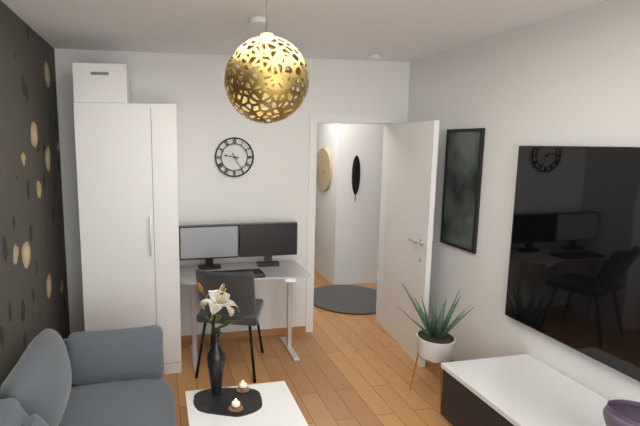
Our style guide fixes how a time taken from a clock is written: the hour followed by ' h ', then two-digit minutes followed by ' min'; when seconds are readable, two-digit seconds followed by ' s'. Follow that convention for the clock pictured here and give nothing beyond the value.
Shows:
9 h 25 min
